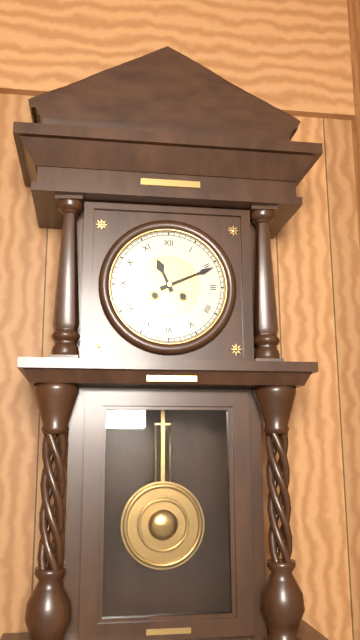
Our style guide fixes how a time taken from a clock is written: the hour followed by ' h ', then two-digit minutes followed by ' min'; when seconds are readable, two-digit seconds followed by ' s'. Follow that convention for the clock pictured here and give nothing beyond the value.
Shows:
11 h 11 min
